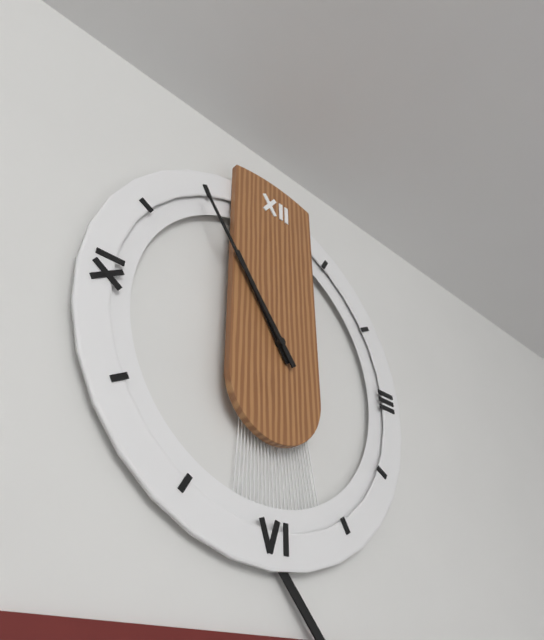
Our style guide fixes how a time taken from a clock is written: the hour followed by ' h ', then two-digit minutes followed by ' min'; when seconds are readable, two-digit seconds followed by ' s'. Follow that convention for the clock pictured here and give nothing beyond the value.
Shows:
10 h 54 min
